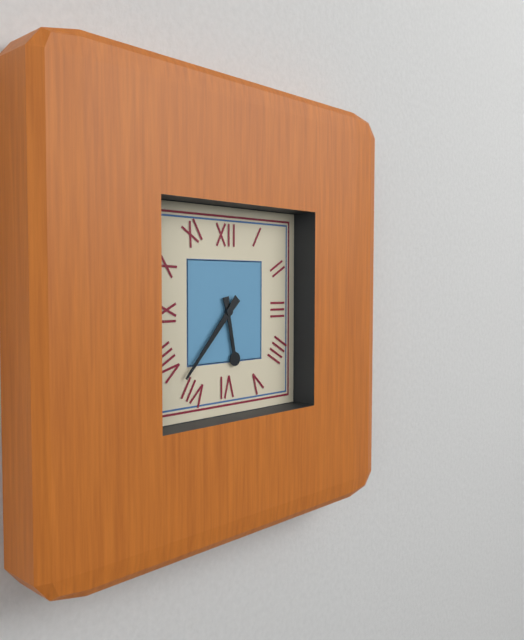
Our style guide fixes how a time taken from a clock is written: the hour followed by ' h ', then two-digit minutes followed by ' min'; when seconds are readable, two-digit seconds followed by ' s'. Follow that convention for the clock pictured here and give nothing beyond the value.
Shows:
5 h 37 min
